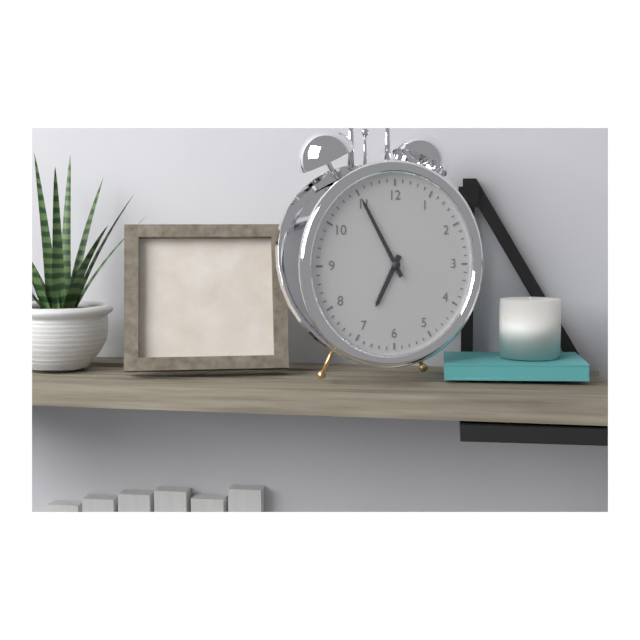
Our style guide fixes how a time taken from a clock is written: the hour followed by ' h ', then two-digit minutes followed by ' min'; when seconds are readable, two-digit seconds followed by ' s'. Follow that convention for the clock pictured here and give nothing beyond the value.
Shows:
6 h 55 min
